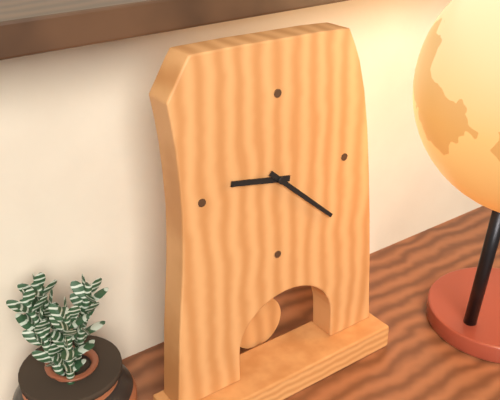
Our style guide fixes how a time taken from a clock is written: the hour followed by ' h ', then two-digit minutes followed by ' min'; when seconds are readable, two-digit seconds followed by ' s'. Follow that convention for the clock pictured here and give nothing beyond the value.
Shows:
9 h 22 min
